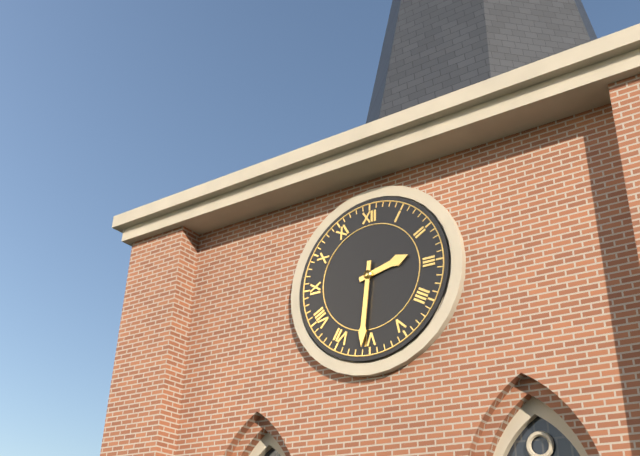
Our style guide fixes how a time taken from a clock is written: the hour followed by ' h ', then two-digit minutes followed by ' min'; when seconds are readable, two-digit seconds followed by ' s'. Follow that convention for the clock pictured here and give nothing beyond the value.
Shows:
2 h 31 min
